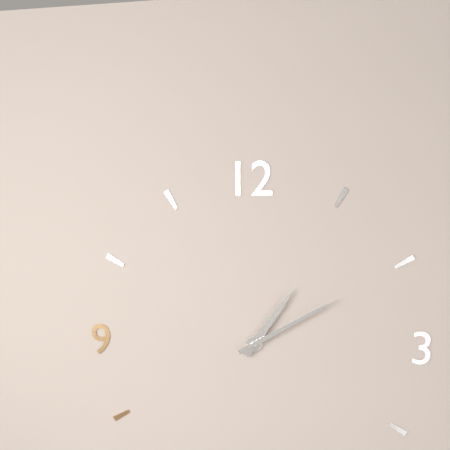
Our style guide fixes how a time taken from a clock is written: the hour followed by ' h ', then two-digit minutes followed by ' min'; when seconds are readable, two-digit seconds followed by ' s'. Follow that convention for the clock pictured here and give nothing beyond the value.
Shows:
1 h 10 min
